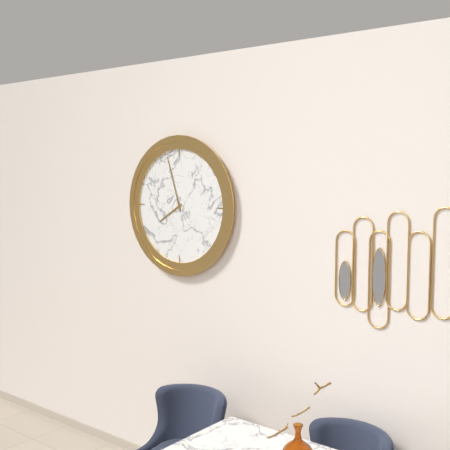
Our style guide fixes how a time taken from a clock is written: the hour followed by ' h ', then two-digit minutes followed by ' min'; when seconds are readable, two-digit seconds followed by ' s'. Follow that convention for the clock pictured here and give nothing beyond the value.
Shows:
7 h 57 min
